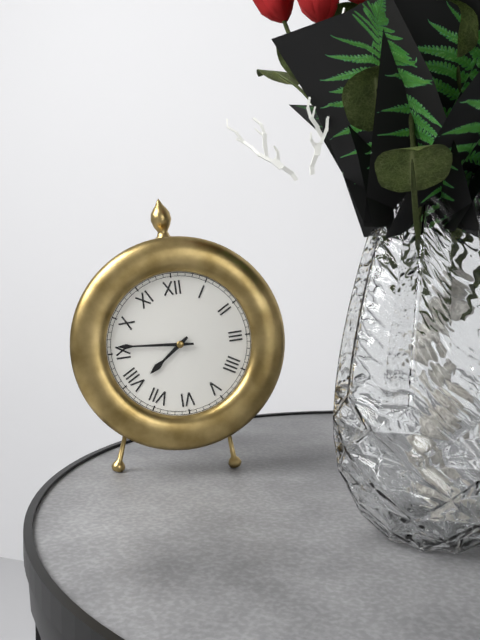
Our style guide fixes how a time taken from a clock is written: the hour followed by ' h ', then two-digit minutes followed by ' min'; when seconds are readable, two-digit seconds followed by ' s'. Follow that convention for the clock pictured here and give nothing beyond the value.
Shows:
7 h 46 min
